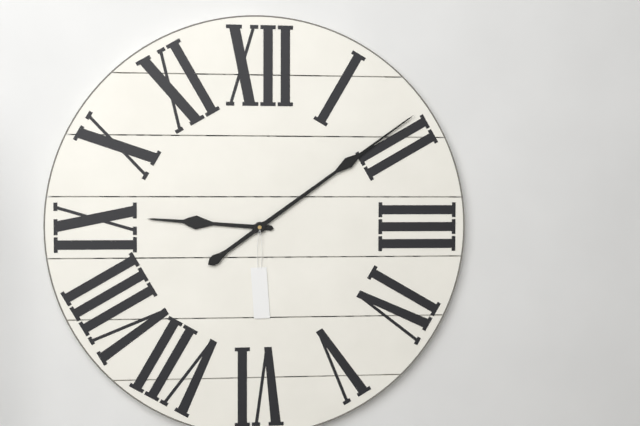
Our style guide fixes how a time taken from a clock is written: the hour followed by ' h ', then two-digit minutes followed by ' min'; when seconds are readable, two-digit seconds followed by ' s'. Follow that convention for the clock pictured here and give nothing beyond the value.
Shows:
9 h 09 min
